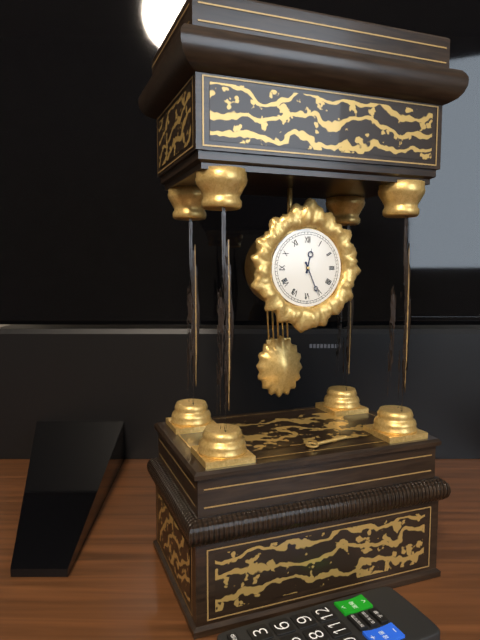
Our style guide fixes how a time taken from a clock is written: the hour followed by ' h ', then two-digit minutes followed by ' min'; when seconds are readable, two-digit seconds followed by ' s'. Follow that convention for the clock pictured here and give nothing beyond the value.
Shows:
12 h 26 min
